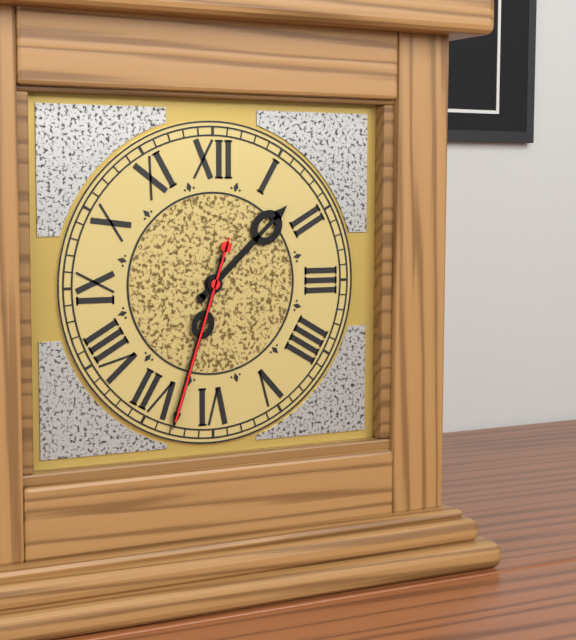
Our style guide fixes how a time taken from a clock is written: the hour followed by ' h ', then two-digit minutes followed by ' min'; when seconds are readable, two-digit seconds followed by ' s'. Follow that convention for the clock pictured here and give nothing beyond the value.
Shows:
1 h 33 min 33 s
